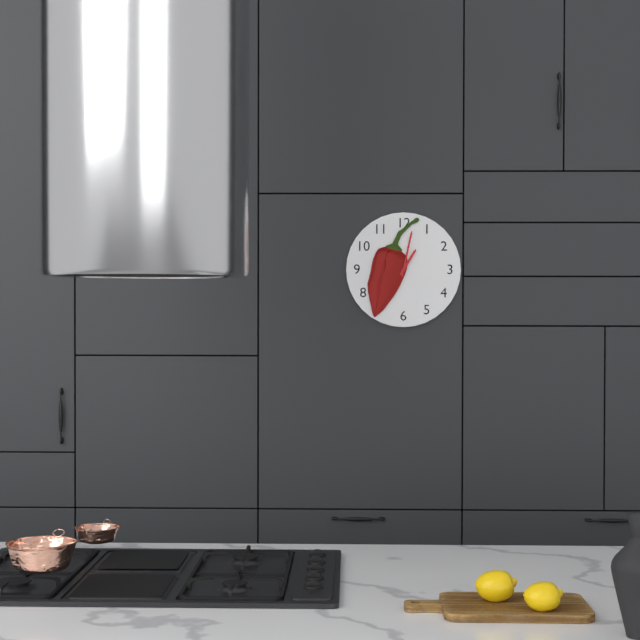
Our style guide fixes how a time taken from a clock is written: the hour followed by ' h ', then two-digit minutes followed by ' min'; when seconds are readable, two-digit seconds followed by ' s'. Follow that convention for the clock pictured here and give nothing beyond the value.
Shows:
1 h 02 min
